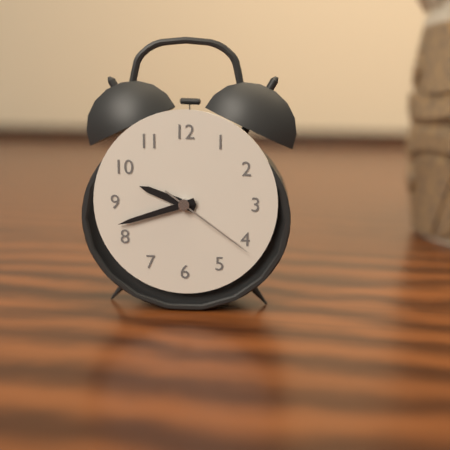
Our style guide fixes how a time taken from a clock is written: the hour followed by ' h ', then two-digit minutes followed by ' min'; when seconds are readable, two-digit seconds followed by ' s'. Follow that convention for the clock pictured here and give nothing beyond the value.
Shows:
9 h 42 min 21 s
